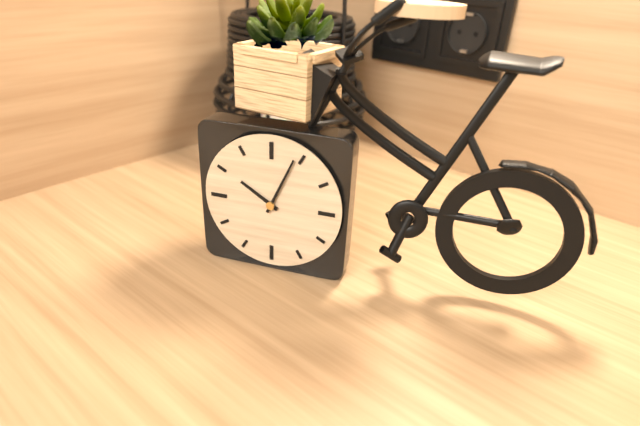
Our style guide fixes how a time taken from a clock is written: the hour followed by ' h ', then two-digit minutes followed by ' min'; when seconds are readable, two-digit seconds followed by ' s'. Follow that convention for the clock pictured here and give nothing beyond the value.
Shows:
10 h 04 min
